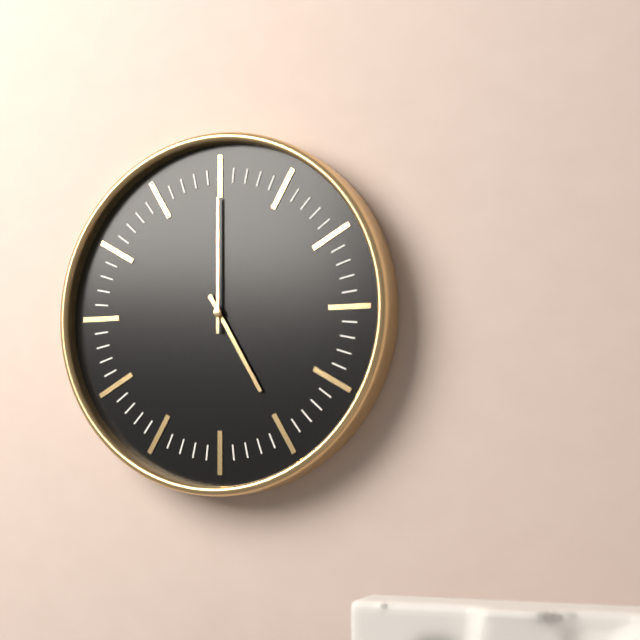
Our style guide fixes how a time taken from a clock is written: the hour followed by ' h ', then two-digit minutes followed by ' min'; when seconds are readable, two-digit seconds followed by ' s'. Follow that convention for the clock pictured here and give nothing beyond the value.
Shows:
5 h 00 min
